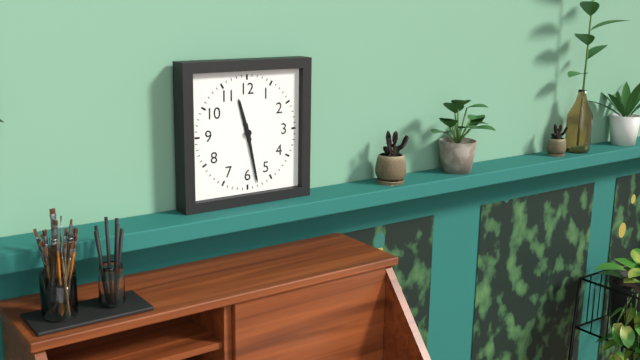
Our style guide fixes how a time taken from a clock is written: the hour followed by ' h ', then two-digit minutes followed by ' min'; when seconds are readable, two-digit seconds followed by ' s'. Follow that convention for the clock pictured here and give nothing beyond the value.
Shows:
11 h 28 min
